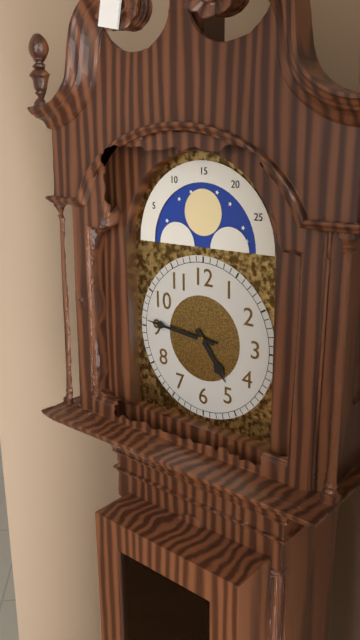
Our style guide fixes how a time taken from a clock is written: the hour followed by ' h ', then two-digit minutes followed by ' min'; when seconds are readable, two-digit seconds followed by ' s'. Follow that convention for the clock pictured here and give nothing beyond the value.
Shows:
4 h 46 min
